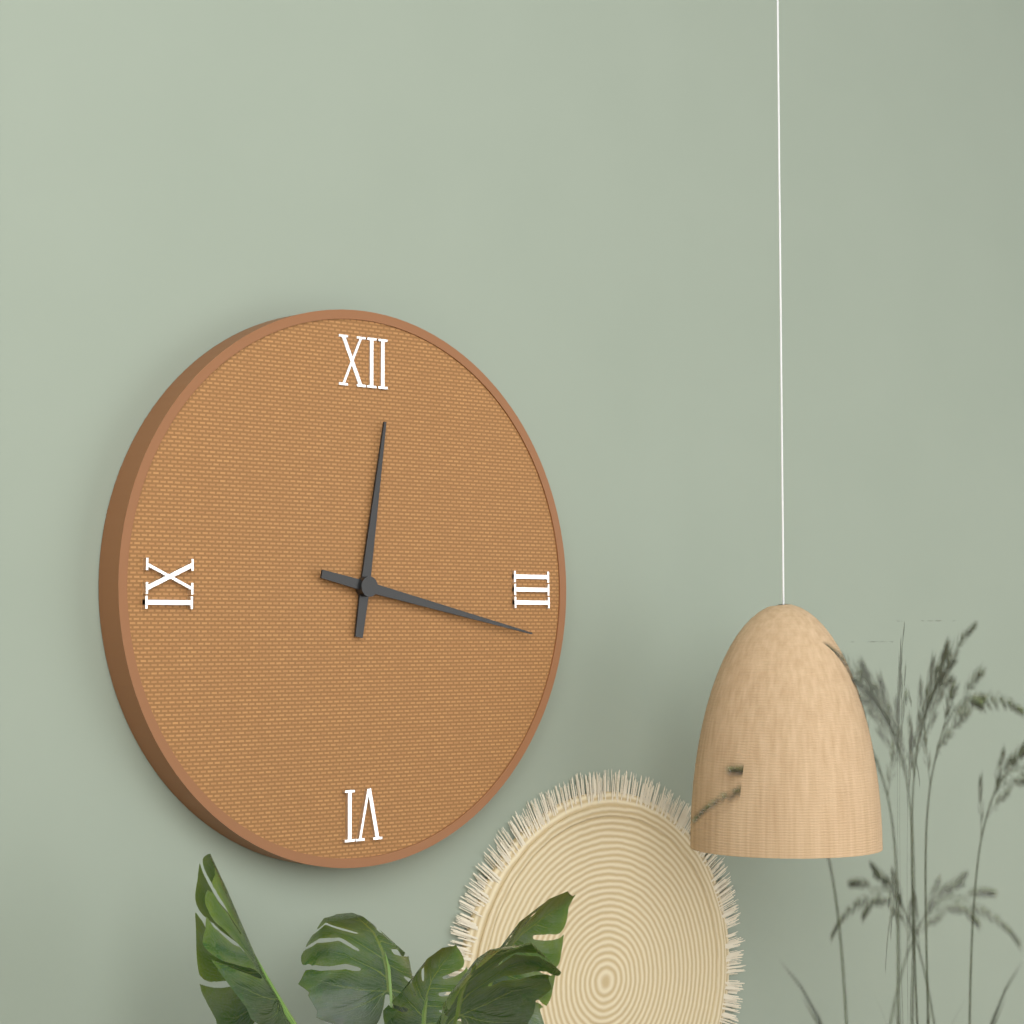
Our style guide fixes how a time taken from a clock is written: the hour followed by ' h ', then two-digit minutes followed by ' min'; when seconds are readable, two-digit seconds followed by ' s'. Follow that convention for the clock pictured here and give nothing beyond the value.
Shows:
12 h 17 min
